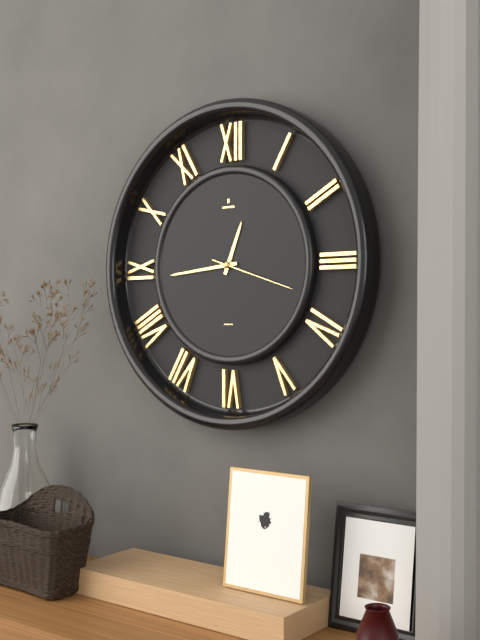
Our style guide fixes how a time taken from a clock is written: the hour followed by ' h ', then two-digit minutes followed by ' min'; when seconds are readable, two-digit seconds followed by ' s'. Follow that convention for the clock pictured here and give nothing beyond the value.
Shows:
12 h 44 min 18 s
